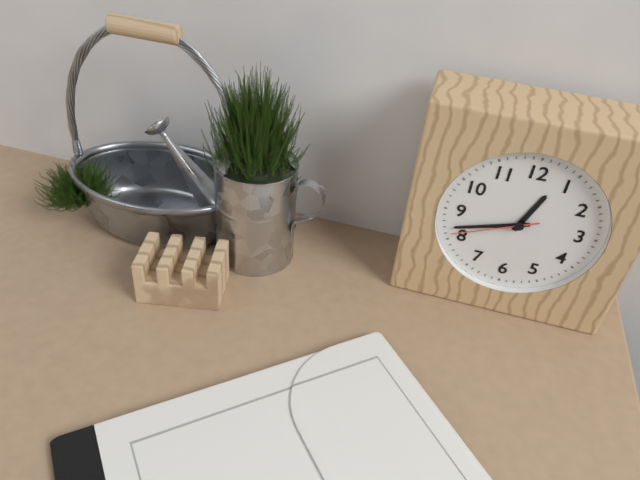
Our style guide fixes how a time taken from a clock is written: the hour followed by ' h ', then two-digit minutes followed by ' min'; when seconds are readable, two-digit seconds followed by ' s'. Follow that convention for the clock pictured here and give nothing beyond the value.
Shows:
12 h 42 min 41 s
